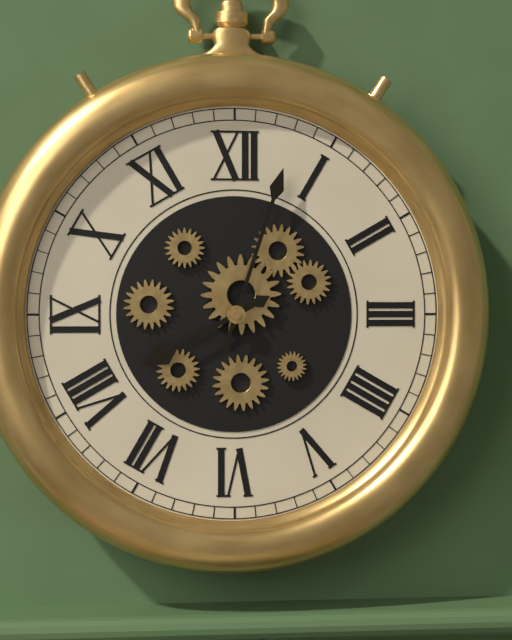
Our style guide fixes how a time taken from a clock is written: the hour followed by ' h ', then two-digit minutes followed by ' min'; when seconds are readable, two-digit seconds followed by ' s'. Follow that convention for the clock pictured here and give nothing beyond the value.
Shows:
8 h 03 min
